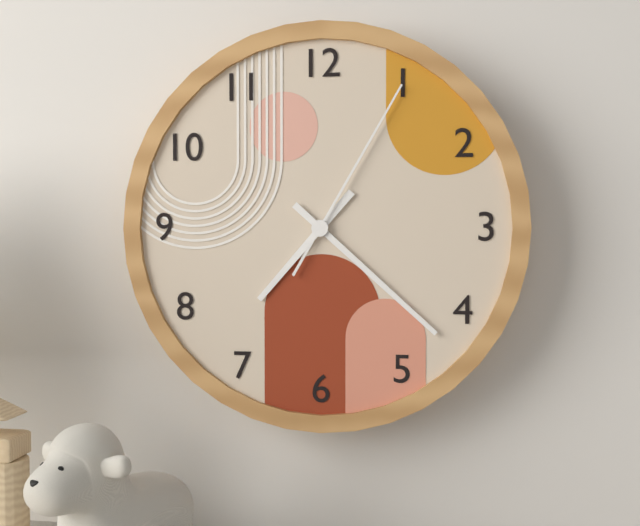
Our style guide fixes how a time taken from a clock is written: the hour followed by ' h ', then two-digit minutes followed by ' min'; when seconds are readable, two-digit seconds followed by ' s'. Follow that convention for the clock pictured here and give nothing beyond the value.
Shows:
7 h 22 min 05 s
